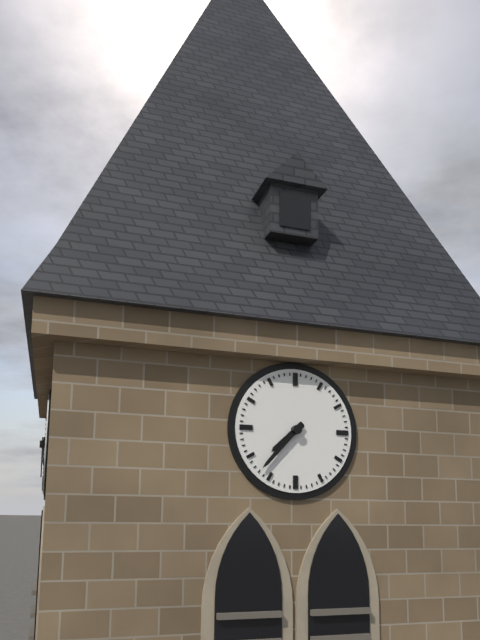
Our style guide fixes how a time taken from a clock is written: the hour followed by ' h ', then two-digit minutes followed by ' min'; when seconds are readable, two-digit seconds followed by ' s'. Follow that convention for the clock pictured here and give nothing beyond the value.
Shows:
7 h 37 min
